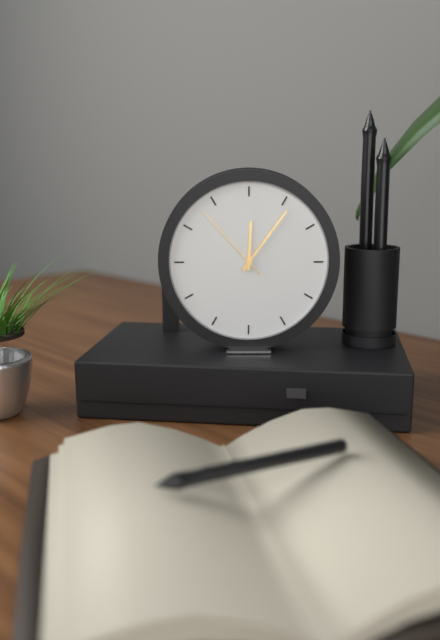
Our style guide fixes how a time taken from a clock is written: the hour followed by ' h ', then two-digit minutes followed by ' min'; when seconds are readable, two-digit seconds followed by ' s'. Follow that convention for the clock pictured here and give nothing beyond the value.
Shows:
12 h 06 min 53 s
